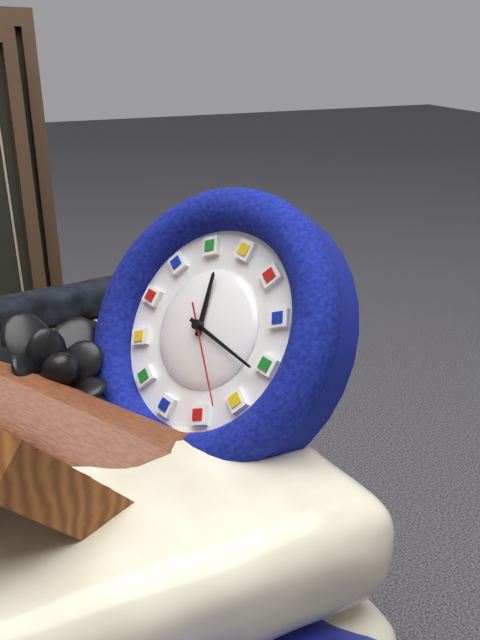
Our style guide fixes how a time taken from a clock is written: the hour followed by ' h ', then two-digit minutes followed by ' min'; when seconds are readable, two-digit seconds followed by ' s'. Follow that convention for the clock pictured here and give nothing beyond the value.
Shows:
1 h 26 min 32 s
